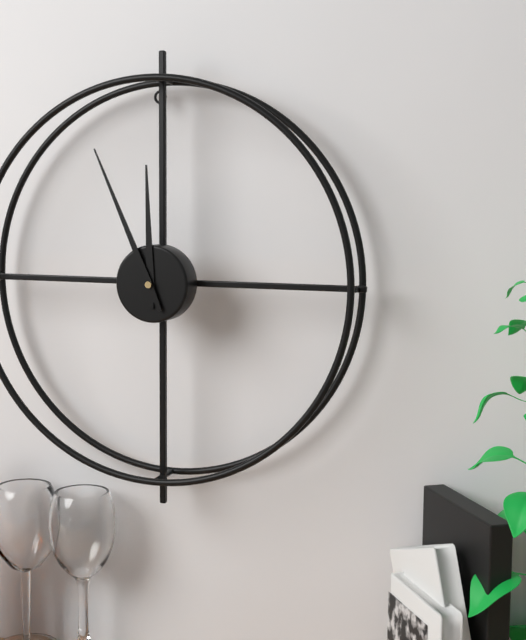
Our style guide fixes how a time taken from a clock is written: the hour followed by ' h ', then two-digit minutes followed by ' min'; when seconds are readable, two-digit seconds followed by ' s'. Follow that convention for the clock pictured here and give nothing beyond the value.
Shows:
11 h 56 min
